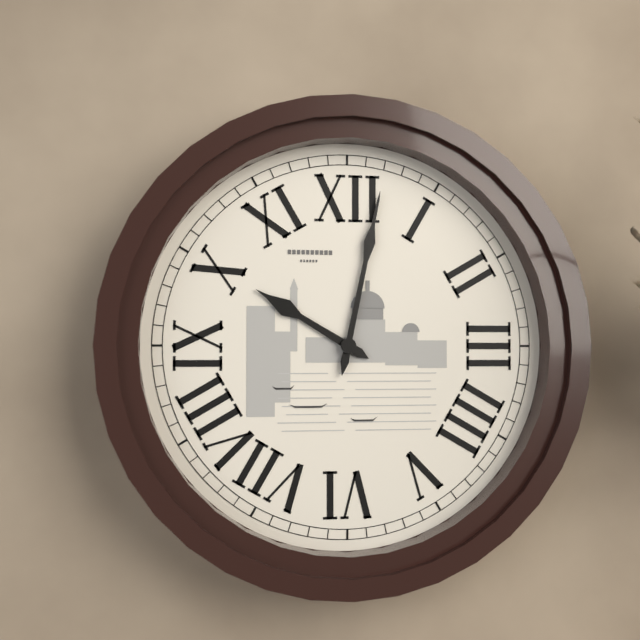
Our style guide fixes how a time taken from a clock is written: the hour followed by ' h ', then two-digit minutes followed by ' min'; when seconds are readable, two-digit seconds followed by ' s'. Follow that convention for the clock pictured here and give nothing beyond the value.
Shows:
10 h 02 min
